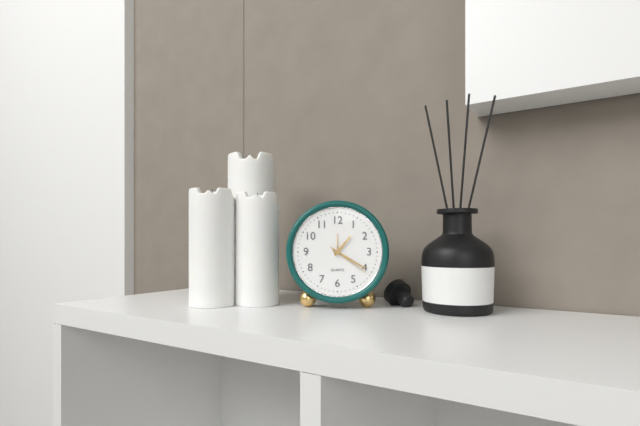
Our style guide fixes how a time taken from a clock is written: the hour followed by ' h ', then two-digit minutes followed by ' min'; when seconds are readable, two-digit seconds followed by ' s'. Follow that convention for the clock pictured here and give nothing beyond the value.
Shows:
1 h 20 min
